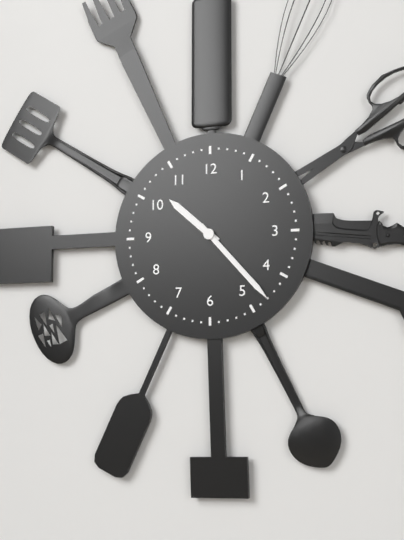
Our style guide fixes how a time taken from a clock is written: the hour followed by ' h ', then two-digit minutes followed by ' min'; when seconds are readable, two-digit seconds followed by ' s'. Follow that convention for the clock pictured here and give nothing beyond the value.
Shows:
10 h 23 min
